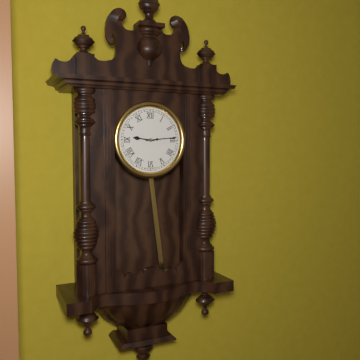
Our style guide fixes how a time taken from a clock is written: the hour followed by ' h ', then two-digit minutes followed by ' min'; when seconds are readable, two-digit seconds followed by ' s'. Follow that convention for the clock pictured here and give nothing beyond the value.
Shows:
9 h 14 min
